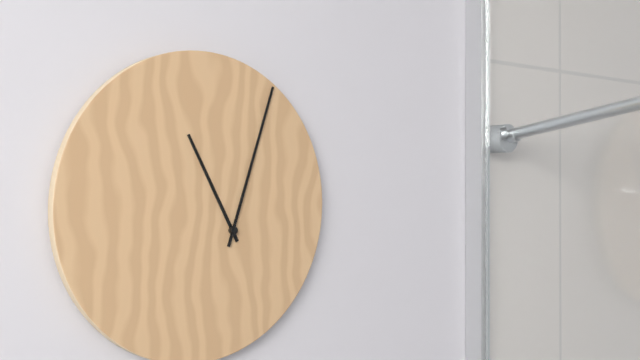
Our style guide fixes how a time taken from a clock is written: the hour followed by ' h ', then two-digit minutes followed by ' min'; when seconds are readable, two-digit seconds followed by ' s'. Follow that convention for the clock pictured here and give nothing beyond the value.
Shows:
11 h 03 min
